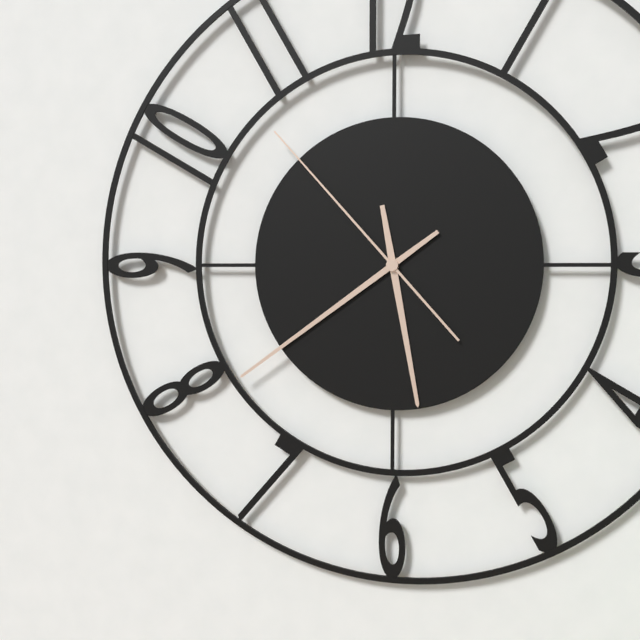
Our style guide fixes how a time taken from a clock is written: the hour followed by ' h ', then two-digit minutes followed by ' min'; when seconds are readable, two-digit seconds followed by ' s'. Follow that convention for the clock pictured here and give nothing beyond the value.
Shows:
5 h 39 min 53 s
